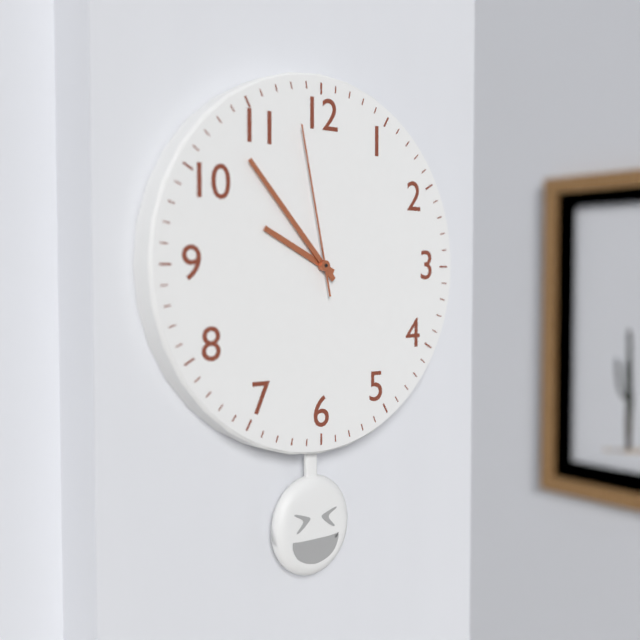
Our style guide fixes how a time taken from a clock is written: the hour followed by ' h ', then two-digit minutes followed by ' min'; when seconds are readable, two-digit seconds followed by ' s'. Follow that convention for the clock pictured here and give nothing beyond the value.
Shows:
9 h 53 min 58 s
